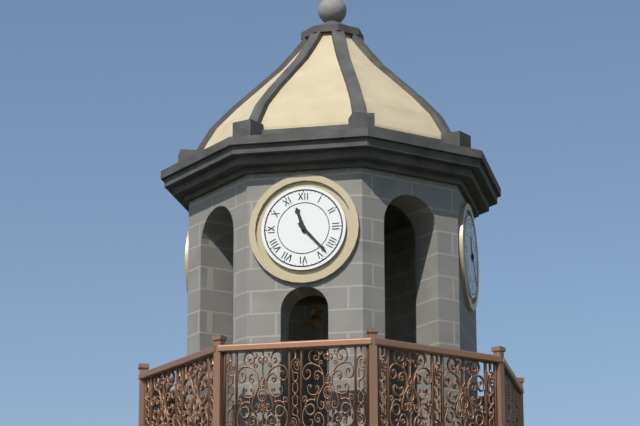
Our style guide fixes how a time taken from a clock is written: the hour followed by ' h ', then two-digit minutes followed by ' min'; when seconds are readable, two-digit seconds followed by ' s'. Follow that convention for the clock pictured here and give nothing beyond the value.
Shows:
11 h 23 min
